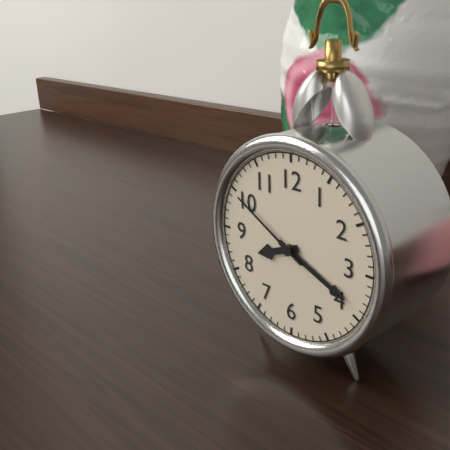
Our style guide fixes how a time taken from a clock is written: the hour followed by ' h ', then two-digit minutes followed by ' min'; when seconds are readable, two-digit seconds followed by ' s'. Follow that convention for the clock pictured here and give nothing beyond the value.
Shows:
8 h 19 min 50 s
